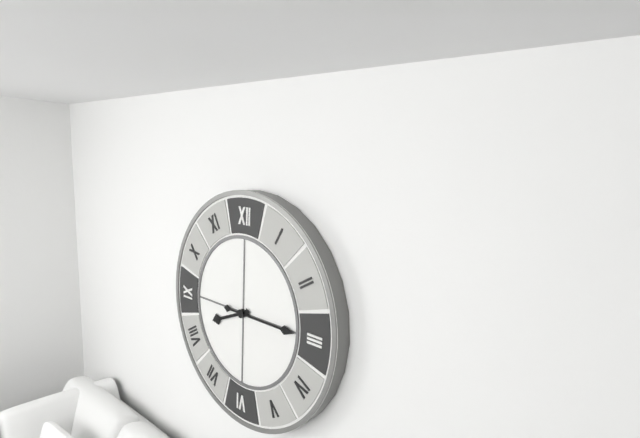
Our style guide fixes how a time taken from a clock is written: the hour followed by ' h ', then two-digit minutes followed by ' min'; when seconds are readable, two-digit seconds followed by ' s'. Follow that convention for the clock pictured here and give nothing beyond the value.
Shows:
8 h 15 min
